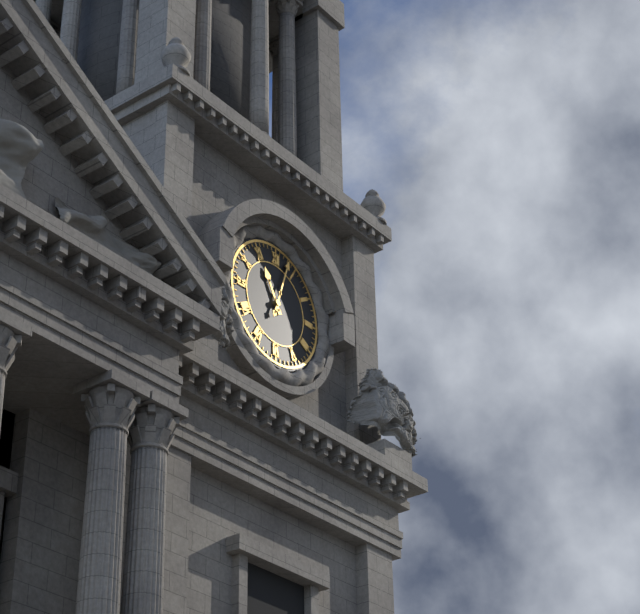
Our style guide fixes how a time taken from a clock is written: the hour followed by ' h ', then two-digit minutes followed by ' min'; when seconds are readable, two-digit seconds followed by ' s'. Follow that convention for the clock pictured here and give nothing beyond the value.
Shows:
11 h 03 min
